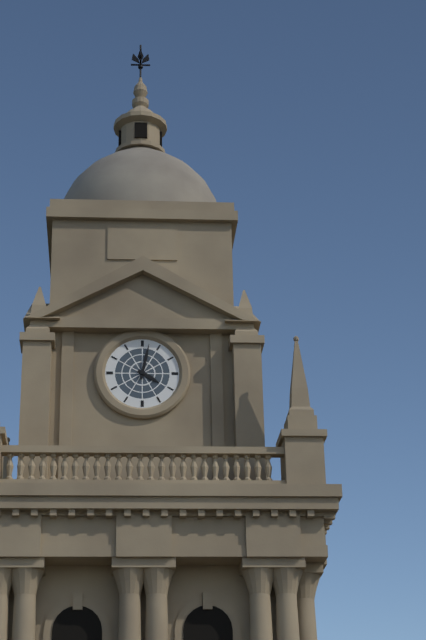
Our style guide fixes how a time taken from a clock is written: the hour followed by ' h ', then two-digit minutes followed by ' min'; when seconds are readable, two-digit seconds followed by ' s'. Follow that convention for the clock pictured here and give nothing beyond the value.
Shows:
4 h 02 min
